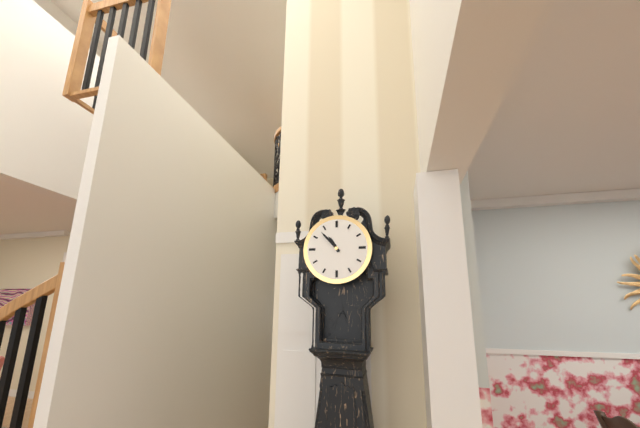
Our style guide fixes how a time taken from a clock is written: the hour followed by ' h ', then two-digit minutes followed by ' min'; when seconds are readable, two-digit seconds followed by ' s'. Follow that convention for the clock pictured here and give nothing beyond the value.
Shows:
10 h 53 min
